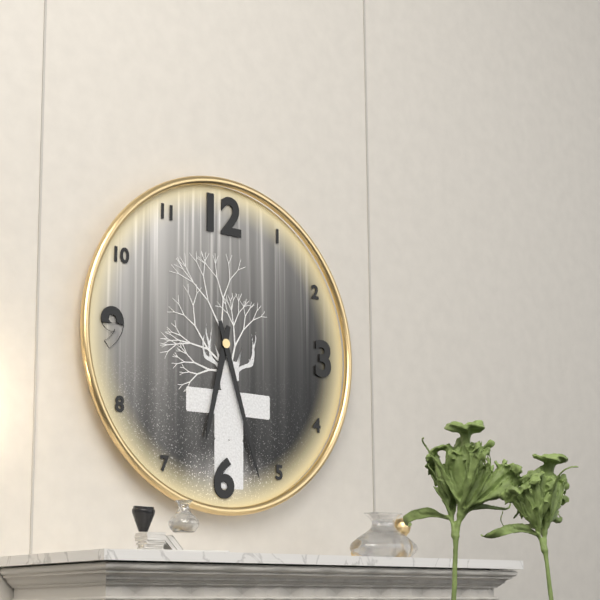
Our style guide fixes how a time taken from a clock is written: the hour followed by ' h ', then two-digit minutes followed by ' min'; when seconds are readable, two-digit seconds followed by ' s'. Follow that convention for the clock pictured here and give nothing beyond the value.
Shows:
6 h 27 min
